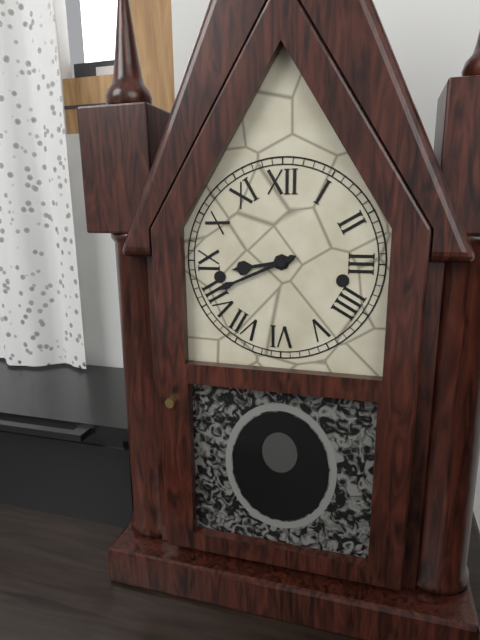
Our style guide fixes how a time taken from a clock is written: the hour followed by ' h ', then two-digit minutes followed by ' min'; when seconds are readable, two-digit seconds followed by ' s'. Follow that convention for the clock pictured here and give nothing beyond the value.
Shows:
8 h 41 min
